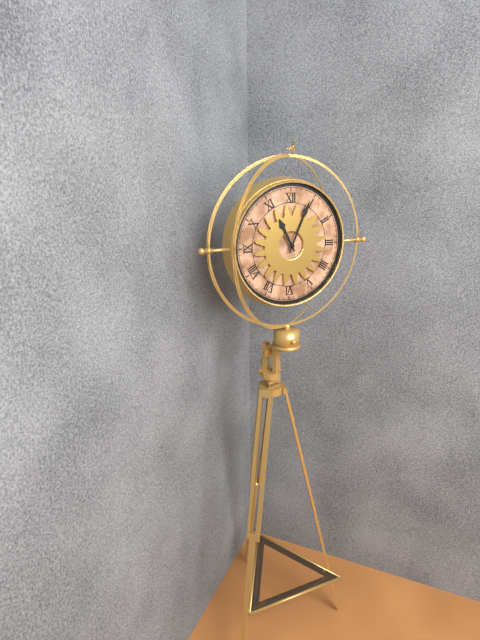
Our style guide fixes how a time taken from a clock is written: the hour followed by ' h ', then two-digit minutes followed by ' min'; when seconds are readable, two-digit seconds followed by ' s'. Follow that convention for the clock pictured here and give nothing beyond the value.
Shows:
11 h 04 min
